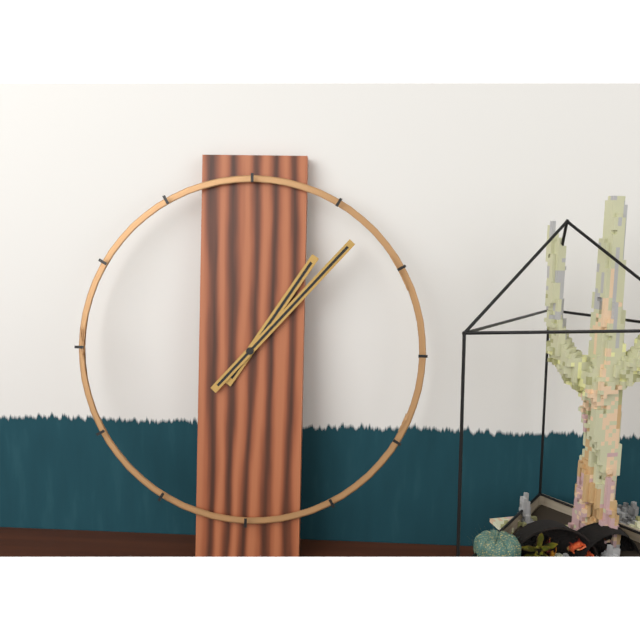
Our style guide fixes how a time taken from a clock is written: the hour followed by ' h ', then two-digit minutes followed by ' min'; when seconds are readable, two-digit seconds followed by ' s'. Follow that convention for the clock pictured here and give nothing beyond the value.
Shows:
1 h 07 min
